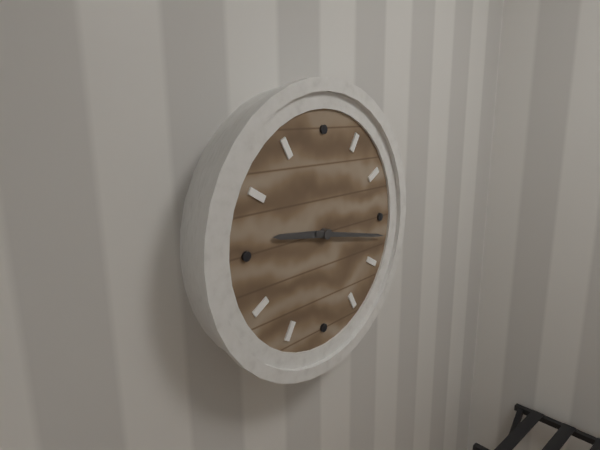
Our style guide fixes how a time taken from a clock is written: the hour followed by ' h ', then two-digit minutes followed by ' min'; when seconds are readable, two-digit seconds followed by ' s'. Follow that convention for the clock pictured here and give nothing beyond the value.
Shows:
9 h 17 min
